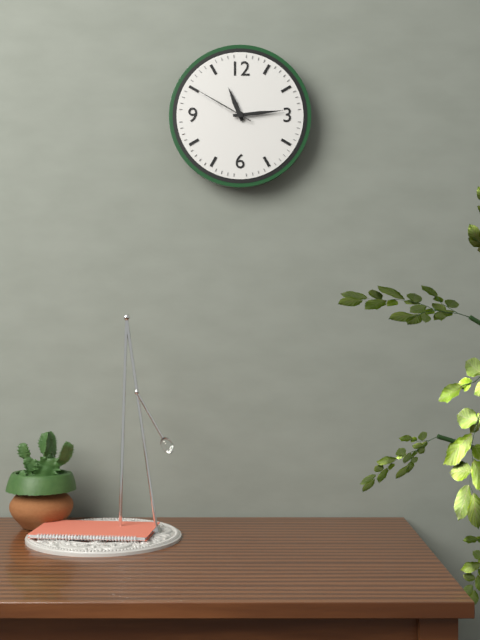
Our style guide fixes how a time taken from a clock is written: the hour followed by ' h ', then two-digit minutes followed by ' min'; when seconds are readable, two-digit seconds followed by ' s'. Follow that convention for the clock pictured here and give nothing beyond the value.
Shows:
11 h 14 min 50 s
